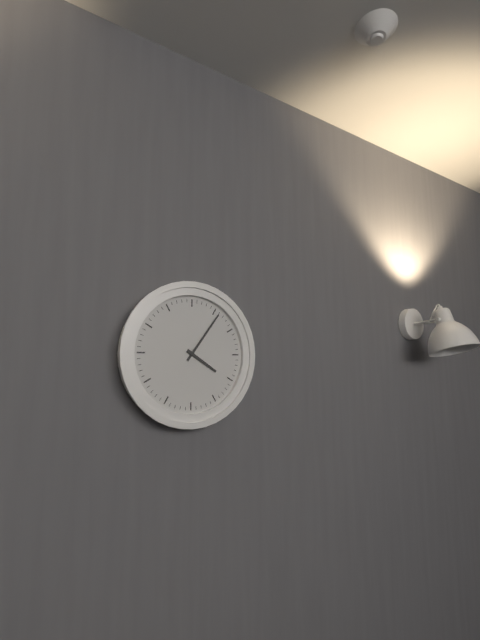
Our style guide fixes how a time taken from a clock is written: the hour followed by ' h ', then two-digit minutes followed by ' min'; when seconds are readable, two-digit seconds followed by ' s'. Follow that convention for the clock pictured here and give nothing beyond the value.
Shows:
4 h 06 min
